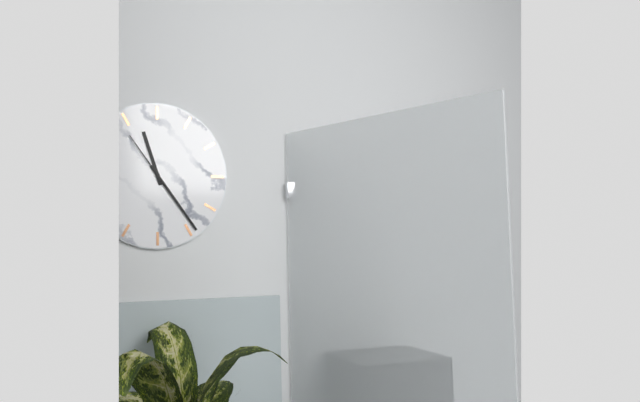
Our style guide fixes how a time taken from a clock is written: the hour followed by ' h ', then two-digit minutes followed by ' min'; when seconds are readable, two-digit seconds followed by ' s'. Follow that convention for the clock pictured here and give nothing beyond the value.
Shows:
11 h 24 min 54 s
